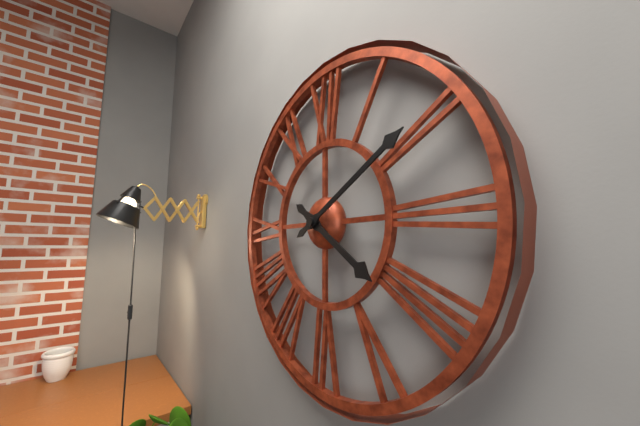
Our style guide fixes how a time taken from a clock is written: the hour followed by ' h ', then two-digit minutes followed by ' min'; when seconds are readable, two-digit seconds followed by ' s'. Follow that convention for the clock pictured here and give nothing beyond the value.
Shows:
4 h 10 min
